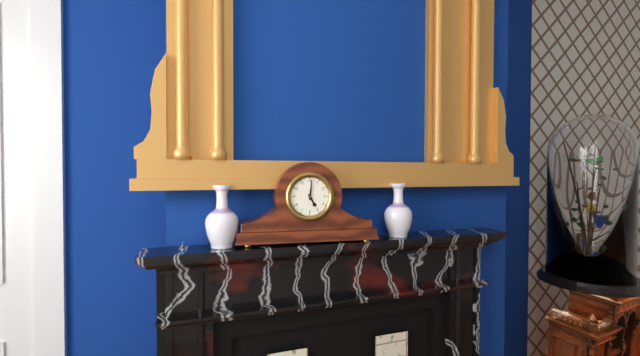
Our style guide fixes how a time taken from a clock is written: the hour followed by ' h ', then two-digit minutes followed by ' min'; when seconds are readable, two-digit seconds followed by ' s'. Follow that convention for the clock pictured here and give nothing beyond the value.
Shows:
5 h 01 min
